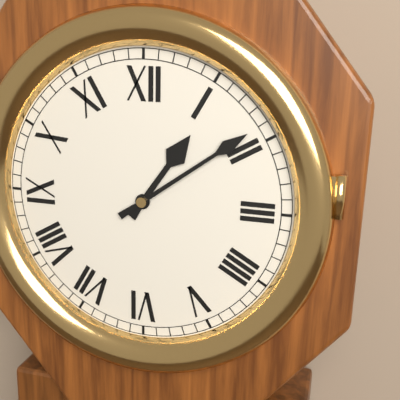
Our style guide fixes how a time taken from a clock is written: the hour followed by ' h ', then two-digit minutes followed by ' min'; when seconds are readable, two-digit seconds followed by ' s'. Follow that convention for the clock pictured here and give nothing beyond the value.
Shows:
1 h 09 min
